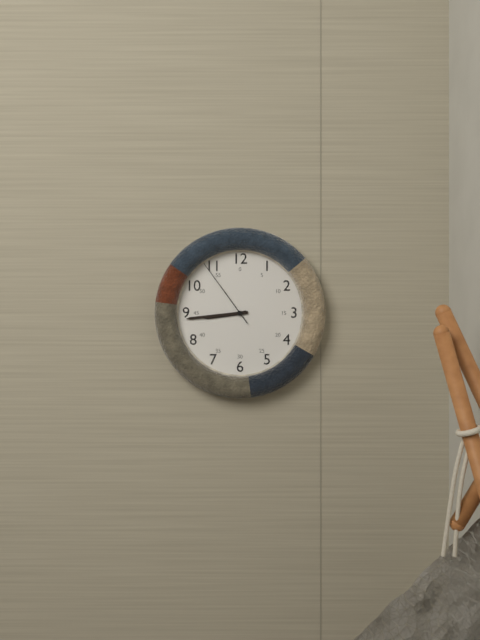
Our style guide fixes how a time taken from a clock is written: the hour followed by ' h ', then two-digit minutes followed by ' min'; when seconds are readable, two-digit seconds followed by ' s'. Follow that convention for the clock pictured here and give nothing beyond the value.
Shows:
8 h 44 min 54 s
